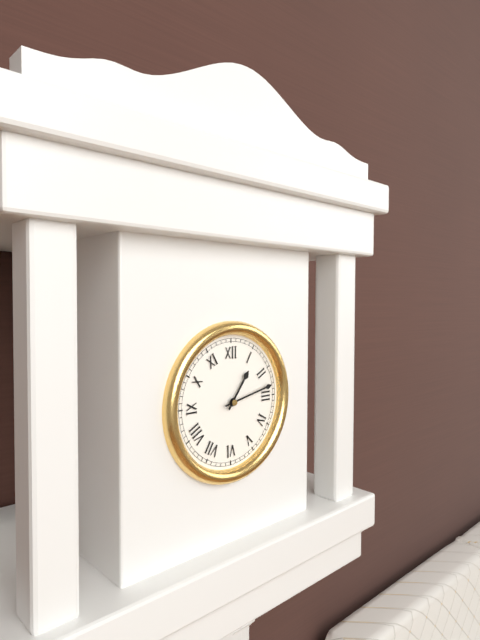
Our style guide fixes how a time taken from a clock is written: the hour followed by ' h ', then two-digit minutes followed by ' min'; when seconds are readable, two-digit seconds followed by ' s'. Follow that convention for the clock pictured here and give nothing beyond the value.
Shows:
1 h 13 min
